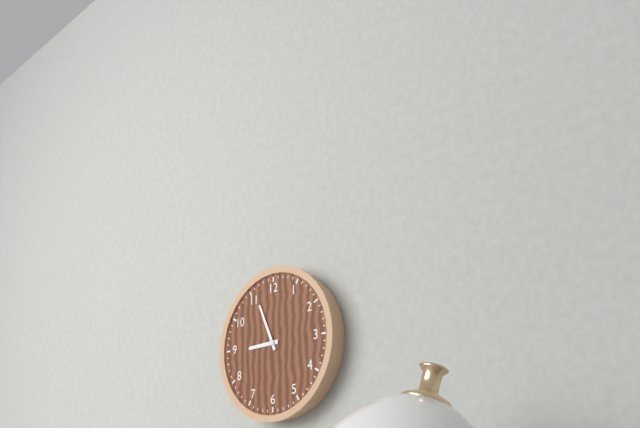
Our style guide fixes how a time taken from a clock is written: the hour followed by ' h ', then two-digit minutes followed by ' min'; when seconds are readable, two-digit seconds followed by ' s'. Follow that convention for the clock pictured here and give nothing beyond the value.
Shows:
8 h 56 min
